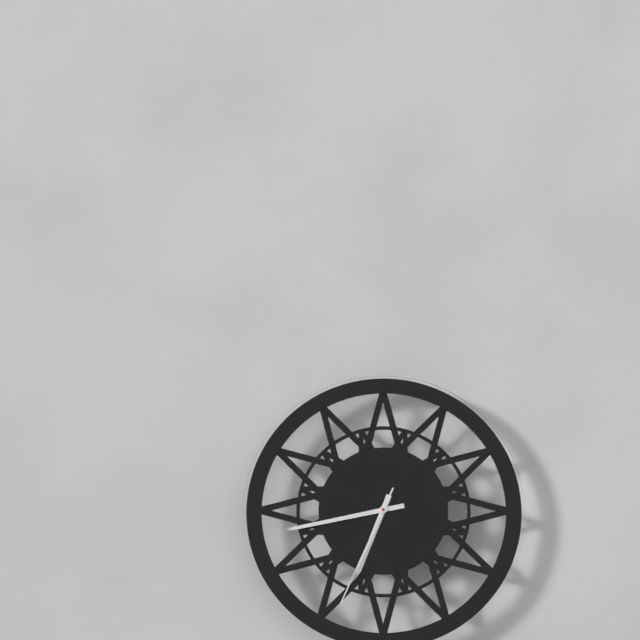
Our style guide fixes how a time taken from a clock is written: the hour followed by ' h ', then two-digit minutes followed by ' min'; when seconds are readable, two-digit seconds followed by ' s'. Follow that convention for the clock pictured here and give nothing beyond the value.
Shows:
6 h 43 min 34 s
